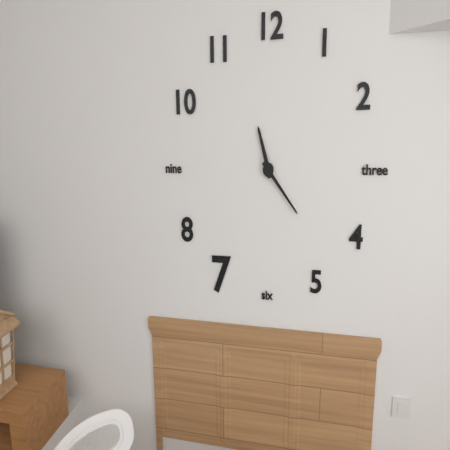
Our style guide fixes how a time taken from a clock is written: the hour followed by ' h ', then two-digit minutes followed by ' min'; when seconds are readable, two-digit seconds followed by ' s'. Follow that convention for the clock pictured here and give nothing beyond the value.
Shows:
11 h 23 min
